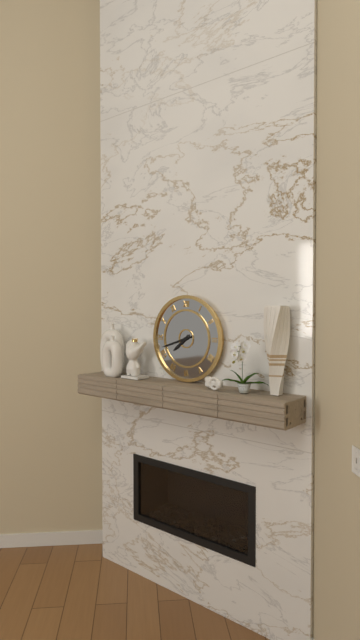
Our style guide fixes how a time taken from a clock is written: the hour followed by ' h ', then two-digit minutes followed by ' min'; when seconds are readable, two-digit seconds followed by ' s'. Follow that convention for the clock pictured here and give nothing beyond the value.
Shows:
7 h 42 min
